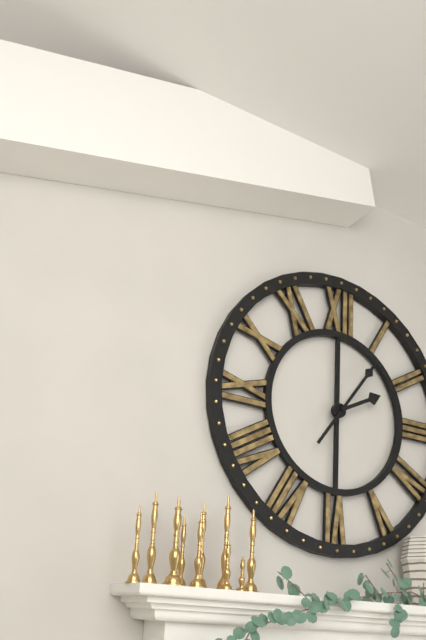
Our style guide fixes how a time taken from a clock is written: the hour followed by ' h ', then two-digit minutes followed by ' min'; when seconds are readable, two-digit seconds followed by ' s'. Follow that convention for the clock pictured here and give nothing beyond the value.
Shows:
2 h 06 min
